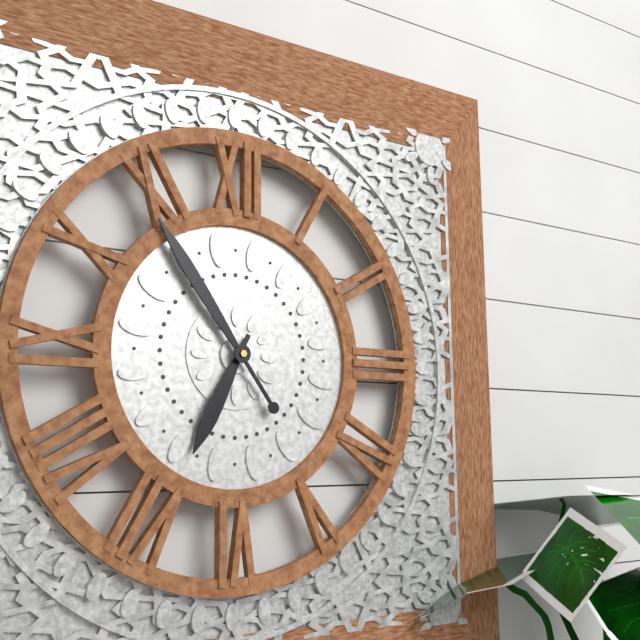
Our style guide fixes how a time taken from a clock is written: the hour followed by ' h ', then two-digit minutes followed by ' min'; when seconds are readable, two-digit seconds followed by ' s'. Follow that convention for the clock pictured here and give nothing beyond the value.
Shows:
6 h 54 min
